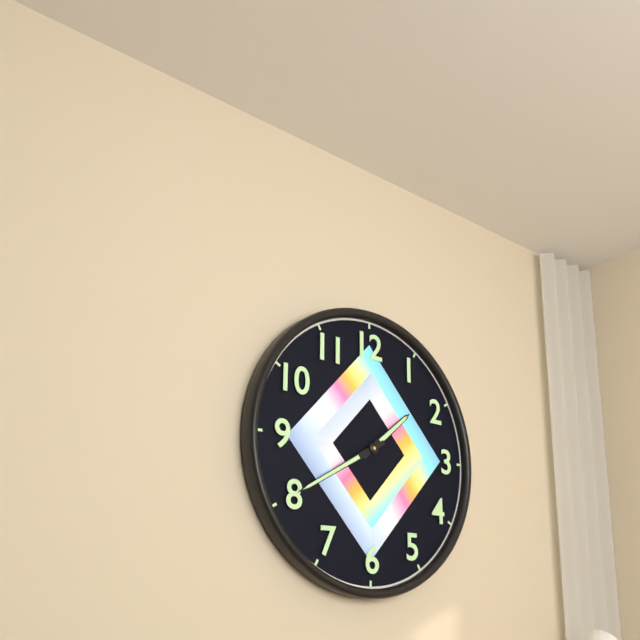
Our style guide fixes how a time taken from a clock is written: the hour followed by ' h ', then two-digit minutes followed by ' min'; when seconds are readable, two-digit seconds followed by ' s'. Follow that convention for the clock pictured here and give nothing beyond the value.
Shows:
1 h 40 min
